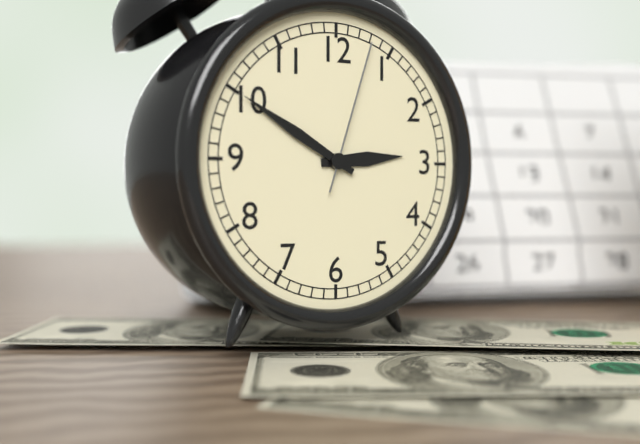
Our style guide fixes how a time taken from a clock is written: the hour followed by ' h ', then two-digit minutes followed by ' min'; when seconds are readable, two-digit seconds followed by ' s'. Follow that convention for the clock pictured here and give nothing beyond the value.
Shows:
2 h 50 min 03 s
